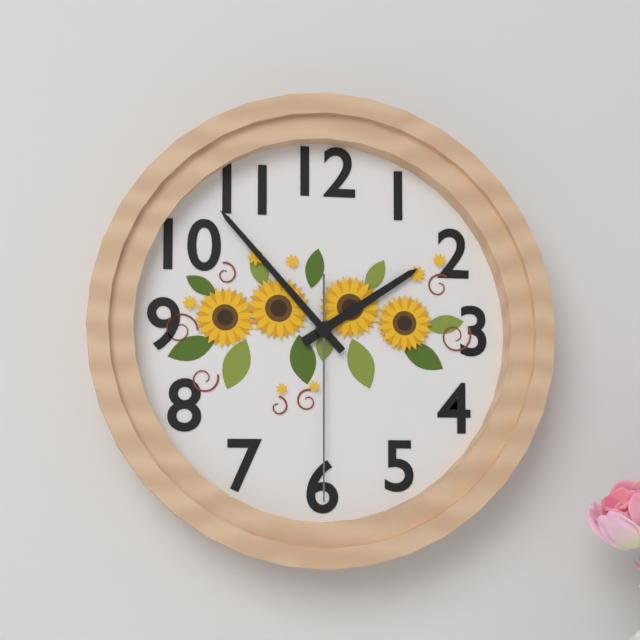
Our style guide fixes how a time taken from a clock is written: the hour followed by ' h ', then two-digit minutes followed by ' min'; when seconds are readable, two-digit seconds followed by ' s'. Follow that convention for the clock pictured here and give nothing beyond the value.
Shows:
1 h 53 min 30 s
